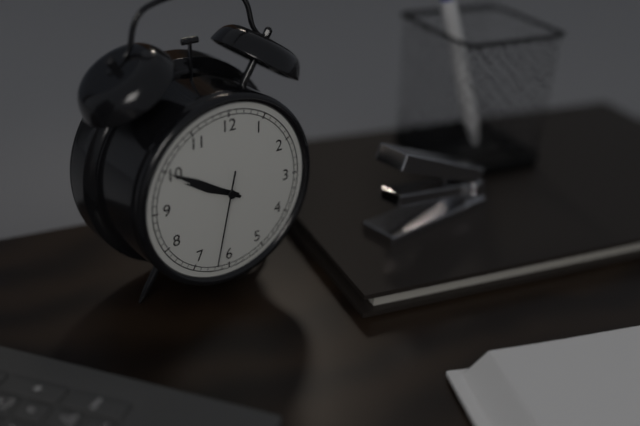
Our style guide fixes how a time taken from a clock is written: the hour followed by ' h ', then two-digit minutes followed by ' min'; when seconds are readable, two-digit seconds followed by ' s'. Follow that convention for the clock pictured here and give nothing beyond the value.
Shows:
9 h 50 min 32 s
